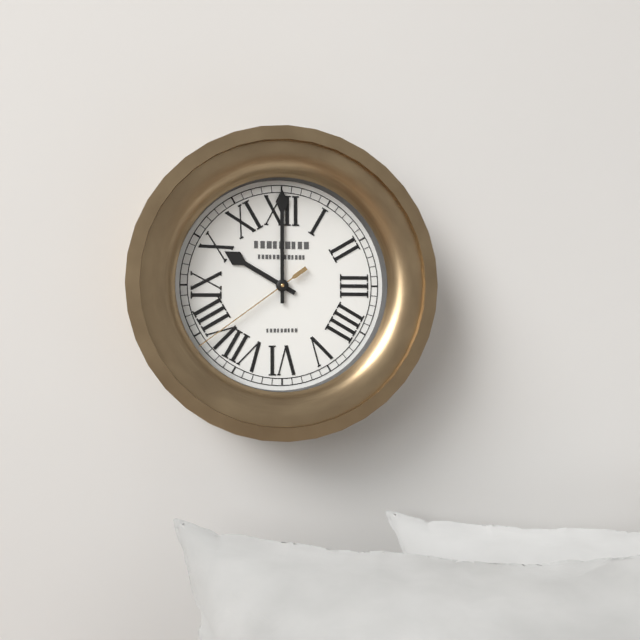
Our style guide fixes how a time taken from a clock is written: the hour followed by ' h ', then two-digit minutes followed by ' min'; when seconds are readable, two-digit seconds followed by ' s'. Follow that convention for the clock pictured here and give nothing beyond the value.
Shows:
10 h 00 min 39 s
